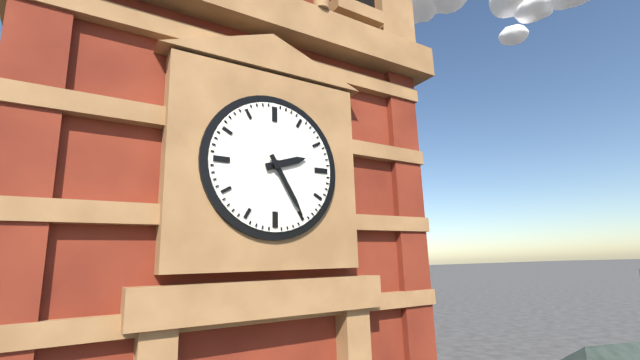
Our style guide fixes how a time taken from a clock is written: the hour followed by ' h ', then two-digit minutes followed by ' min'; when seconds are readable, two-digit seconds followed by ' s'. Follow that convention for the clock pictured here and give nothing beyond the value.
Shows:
2 h 25 min
